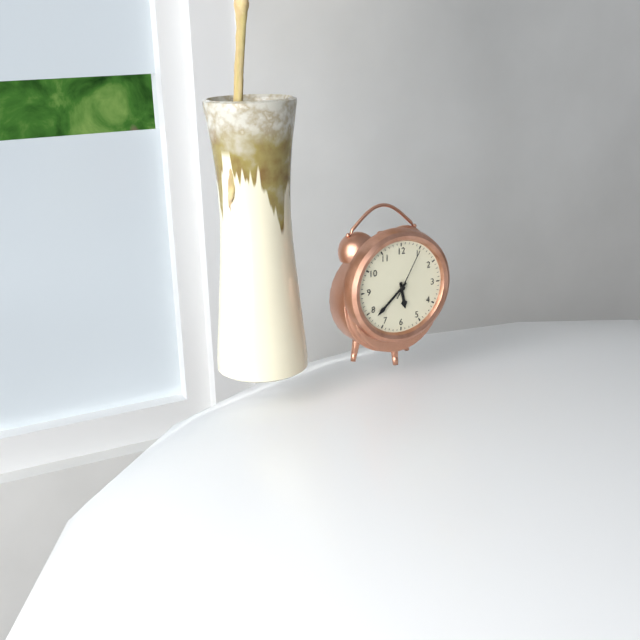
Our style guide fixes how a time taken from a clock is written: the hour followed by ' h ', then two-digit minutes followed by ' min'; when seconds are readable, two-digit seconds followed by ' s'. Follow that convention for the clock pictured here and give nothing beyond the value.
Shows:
5 h 38 min 05 s
